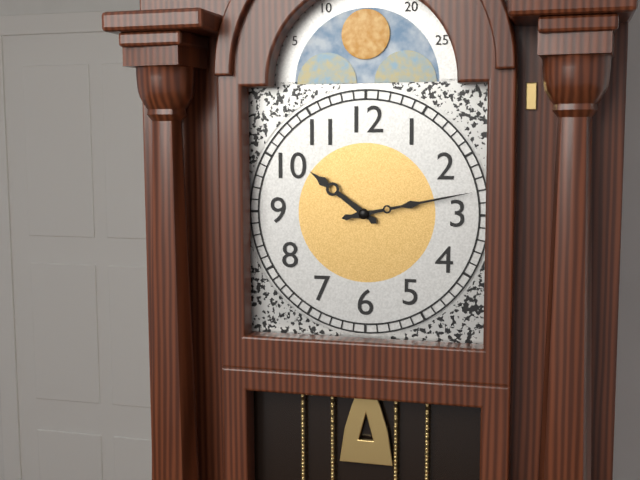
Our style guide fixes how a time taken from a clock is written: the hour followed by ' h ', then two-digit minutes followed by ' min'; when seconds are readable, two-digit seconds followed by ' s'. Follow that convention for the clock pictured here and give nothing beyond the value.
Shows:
10 h 13 min
